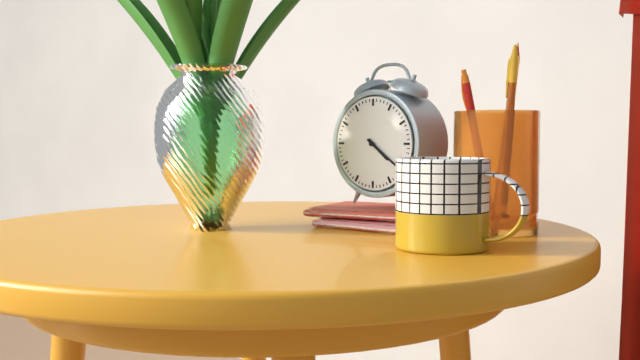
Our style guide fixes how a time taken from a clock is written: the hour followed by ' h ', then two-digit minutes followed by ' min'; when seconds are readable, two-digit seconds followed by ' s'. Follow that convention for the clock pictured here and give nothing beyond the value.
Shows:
4 h 21 min
